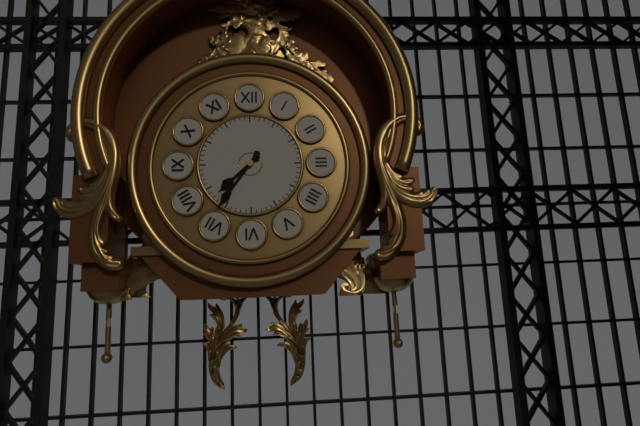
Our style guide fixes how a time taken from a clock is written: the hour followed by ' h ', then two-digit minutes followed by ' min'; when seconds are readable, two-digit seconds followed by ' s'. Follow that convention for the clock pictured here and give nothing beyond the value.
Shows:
7 h 36 min
